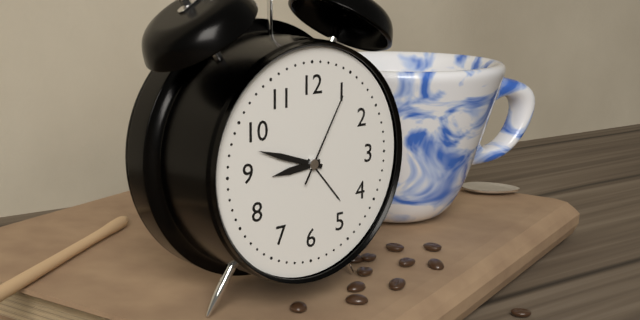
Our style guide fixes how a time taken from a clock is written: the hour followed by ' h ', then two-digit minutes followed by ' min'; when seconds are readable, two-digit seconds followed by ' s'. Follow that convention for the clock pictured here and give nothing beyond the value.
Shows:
8 h 48 min 05 s
